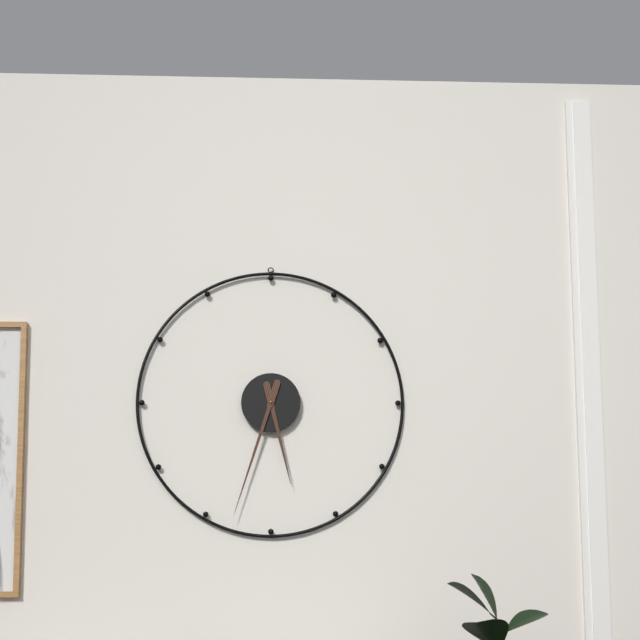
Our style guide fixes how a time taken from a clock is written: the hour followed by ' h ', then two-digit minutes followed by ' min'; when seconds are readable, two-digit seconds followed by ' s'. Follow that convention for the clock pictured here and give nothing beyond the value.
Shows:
5 h 33 min
